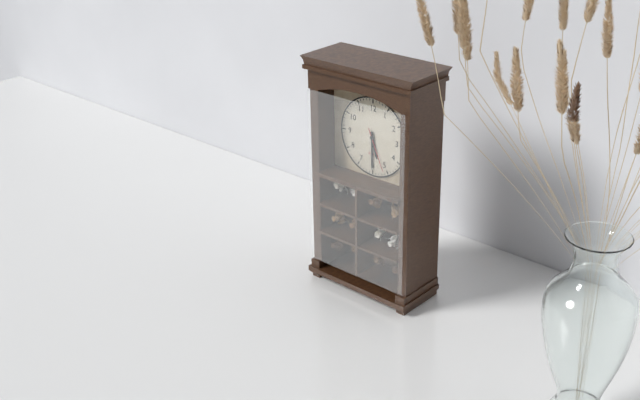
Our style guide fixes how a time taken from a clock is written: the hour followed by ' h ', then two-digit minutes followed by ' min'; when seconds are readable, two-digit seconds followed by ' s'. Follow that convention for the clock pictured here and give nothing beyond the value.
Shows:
5 h 30 min
